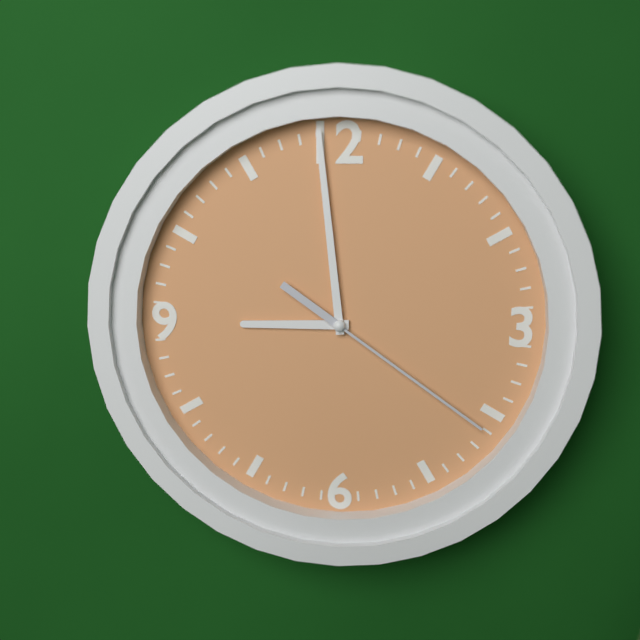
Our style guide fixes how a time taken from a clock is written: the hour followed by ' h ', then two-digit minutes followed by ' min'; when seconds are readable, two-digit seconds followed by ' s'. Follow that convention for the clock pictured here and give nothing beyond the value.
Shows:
8 h 59 min 21 s
